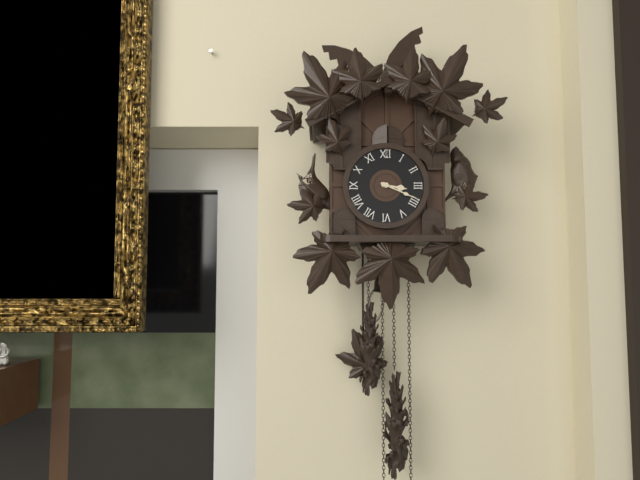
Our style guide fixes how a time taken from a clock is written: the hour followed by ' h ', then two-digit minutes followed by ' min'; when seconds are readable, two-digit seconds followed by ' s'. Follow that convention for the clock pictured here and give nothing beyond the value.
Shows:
3 h 19 min
